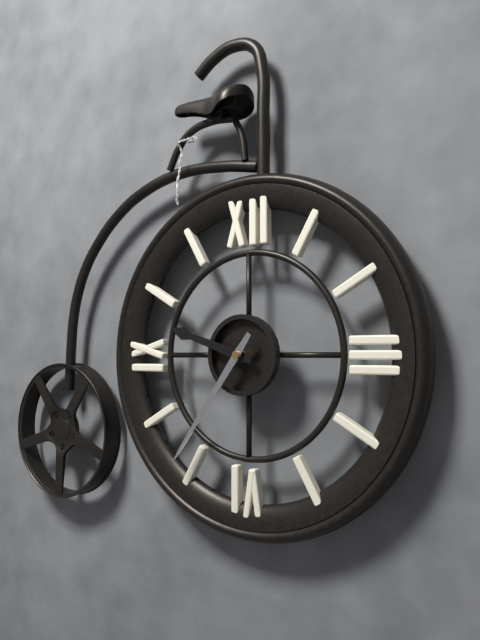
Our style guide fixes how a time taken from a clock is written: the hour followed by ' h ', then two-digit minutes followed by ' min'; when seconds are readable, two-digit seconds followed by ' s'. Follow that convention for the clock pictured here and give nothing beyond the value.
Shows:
9 h 36 min
